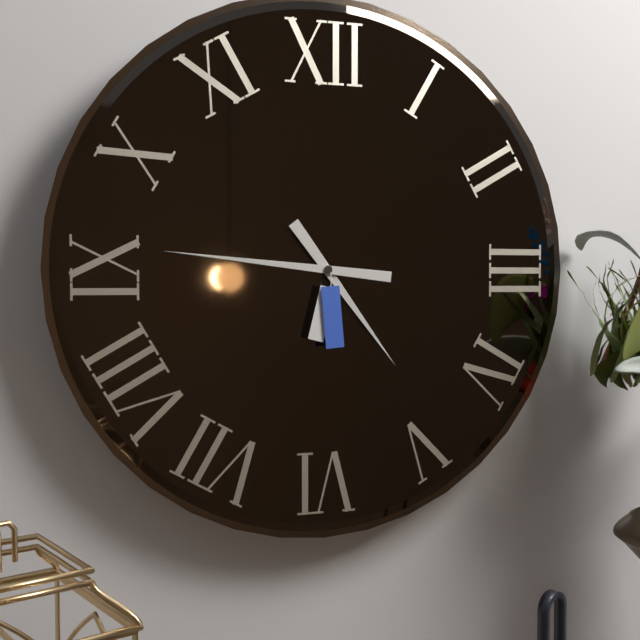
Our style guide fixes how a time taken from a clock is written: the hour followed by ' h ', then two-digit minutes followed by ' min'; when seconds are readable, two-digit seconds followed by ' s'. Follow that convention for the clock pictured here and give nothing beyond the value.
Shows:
4 h 46 min
